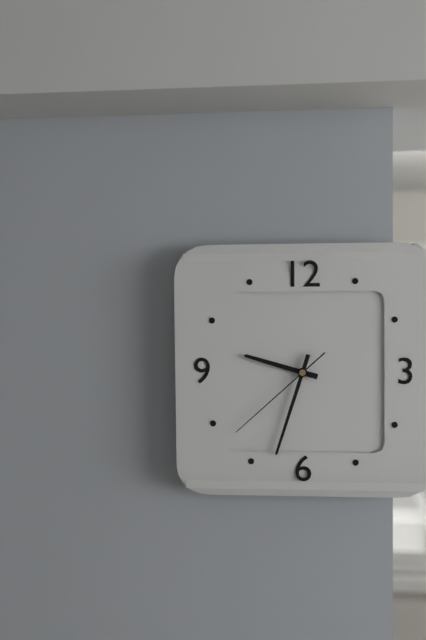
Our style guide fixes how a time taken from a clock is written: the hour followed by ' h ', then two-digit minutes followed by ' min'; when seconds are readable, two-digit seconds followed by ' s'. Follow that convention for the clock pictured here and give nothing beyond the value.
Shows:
9 h 33 min 38 s
